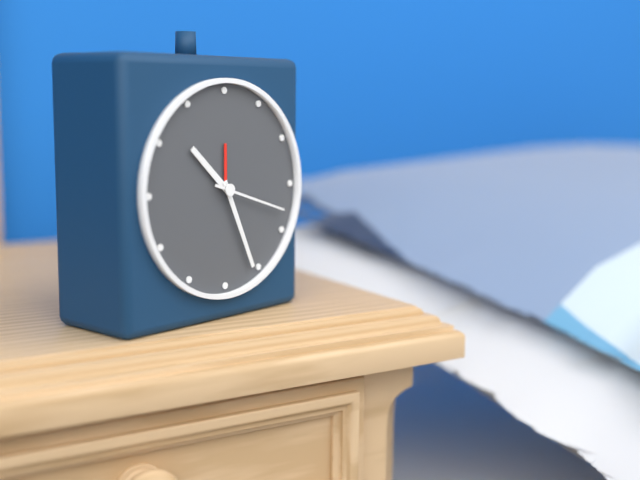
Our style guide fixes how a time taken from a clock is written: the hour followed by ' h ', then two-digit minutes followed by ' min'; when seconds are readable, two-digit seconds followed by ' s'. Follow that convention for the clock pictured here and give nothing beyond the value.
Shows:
10 h 26 min 18 s
